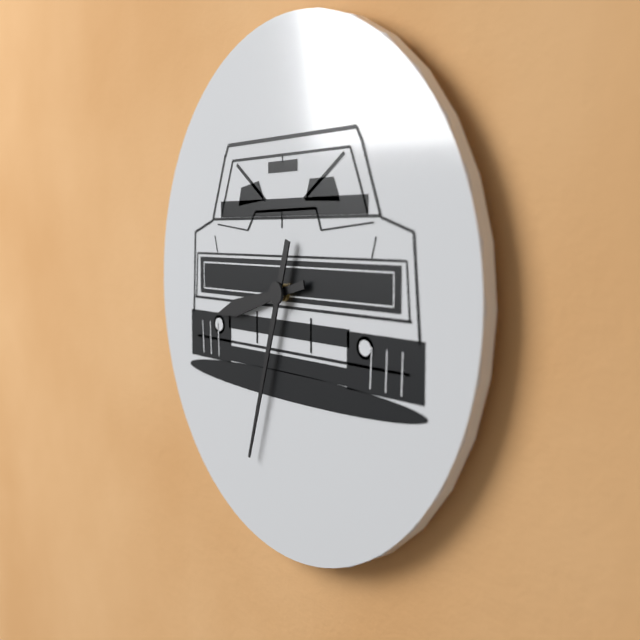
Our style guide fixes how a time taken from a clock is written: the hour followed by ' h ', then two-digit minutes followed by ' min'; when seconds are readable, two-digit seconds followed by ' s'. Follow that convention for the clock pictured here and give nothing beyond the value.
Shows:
8 h 33 min
